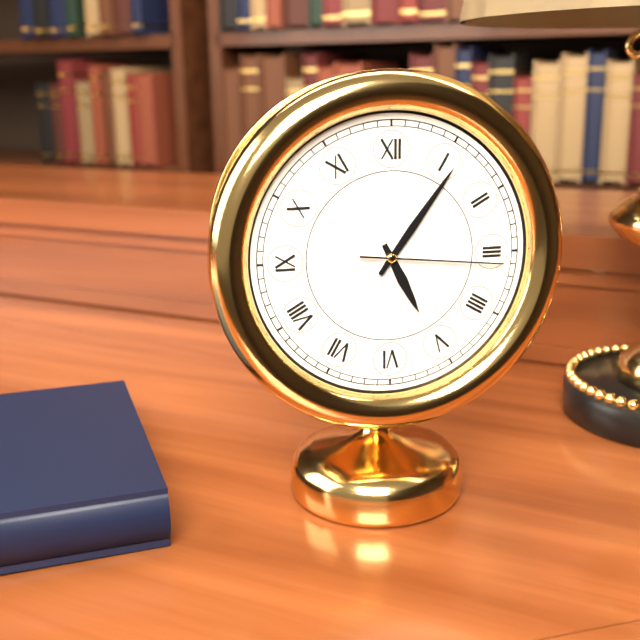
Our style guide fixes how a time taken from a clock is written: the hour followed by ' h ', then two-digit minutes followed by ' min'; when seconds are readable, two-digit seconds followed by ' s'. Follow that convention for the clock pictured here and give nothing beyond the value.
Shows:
5 h 06 min 16 s
